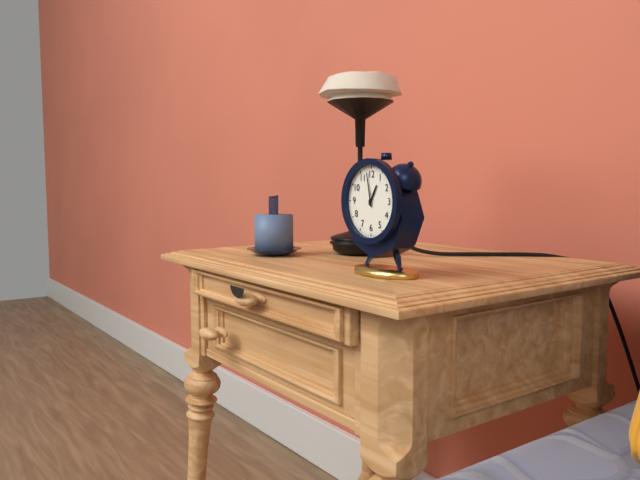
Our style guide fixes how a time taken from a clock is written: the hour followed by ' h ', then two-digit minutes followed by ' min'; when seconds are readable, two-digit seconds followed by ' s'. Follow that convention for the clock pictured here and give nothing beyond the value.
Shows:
12 h 58 min
